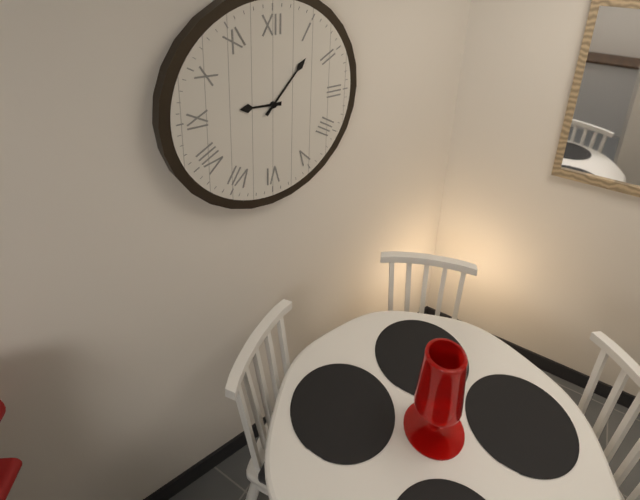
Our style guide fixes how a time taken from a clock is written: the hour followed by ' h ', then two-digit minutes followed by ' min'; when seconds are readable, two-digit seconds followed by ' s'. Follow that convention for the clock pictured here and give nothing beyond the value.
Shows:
9 h 07 min
